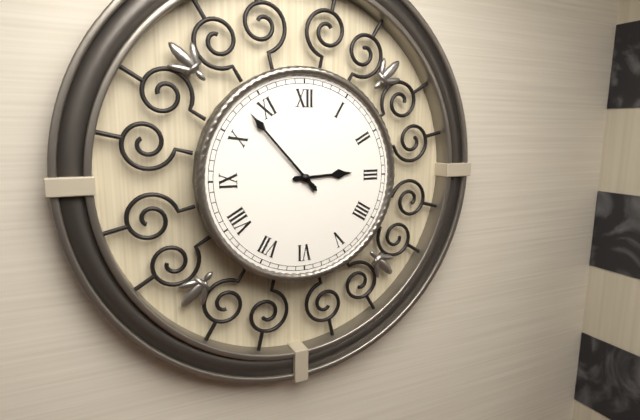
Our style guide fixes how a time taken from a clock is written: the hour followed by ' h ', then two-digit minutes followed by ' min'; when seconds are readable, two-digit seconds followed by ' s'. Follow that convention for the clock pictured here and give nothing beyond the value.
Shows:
2 h 53 min
